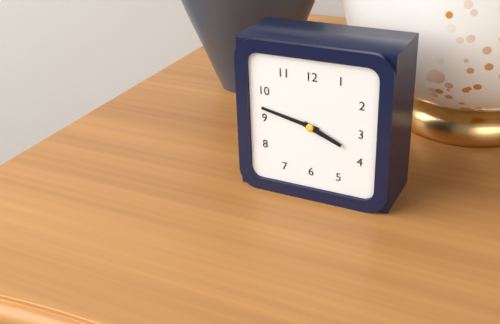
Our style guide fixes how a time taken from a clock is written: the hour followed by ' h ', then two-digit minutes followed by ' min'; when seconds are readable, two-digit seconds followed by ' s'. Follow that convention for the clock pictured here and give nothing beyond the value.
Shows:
3 h 47 min
